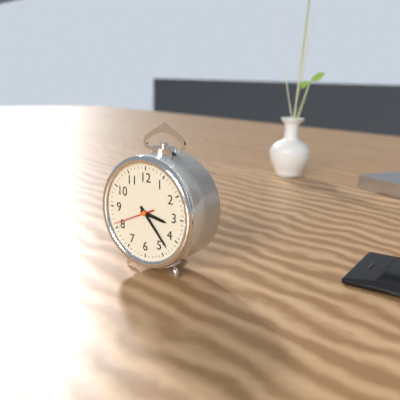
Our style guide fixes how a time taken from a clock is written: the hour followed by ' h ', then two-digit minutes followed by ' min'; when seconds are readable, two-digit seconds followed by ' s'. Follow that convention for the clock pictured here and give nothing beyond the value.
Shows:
3 h 23 min
